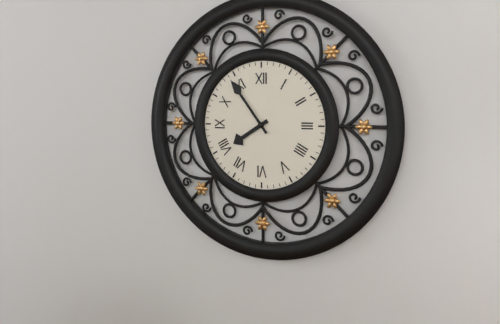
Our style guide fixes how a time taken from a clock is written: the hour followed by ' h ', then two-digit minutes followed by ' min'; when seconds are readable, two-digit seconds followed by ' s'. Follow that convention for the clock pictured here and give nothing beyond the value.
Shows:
7 h 54 min
